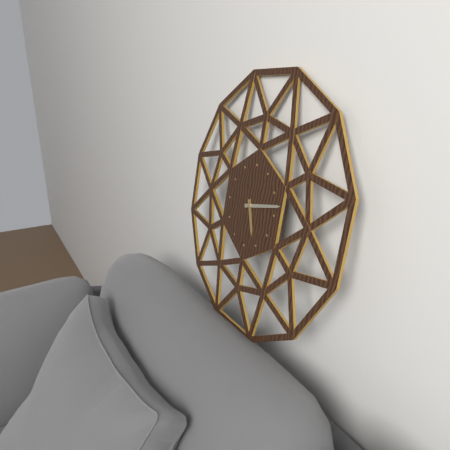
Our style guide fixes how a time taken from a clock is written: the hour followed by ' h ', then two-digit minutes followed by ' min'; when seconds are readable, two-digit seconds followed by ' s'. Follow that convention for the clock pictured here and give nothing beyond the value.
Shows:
5 h 13 min
